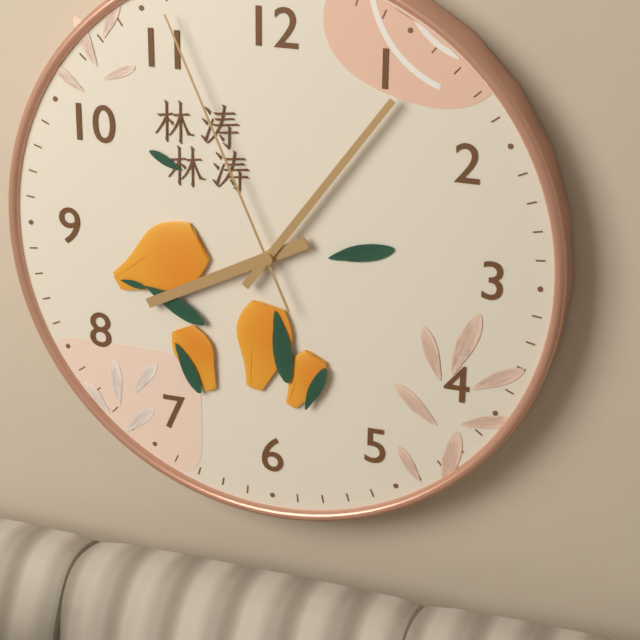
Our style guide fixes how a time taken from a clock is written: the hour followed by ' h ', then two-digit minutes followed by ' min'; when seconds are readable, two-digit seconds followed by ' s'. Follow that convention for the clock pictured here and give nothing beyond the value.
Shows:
8 h 06 min 56 s
